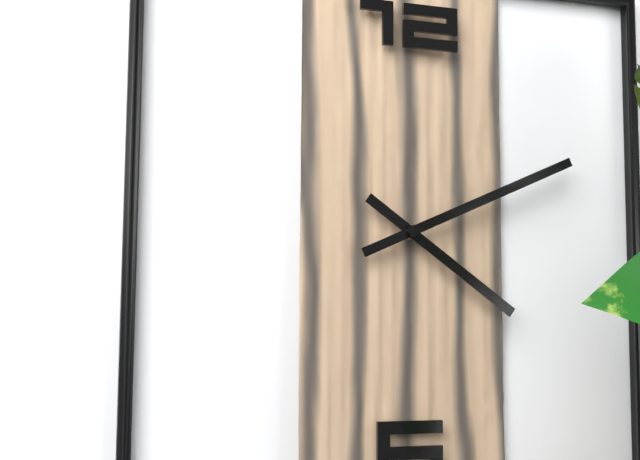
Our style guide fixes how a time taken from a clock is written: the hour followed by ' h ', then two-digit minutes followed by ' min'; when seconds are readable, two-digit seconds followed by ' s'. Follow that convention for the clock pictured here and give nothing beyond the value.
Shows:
4 h 11 min
